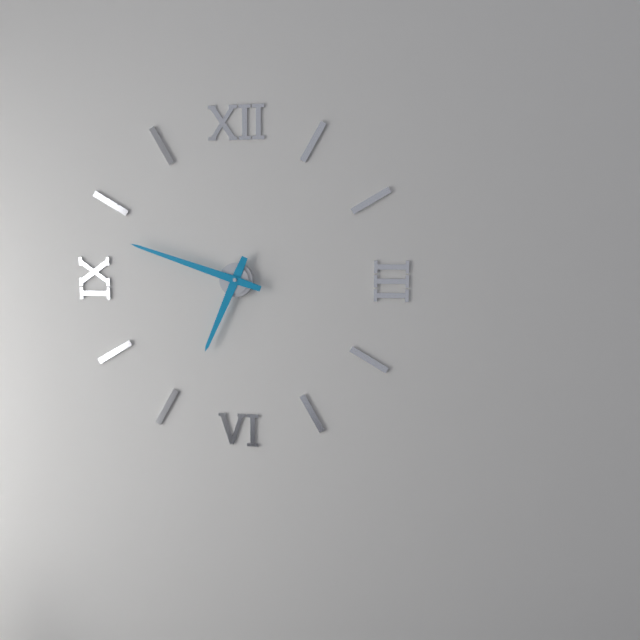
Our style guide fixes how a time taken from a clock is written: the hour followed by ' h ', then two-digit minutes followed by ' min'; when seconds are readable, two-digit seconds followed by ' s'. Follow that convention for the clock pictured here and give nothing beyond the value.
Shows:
6 h 48 min
